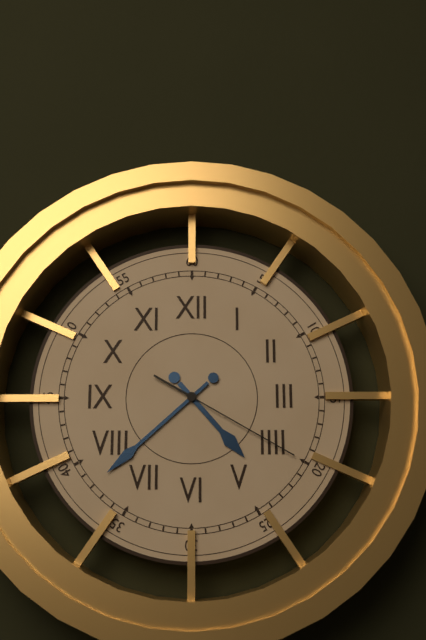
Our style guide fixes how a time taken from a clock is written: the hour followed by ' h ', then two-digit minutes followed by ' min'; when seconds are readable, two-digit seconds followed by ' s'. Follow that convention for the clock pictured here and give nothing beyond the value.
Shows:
4 h 38 min 20 s
